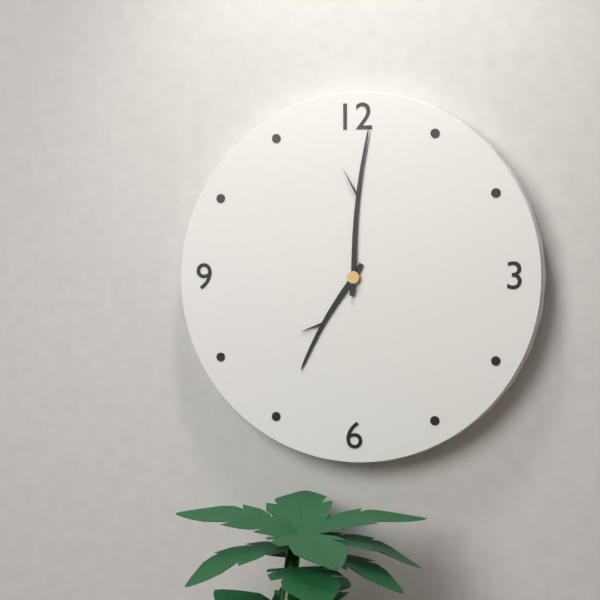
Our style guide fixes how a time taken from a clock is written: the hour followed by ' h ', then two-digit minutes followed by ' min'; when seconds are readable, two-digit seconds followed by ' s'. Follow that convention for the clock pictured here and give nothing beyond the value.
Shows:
7 h 01 min
